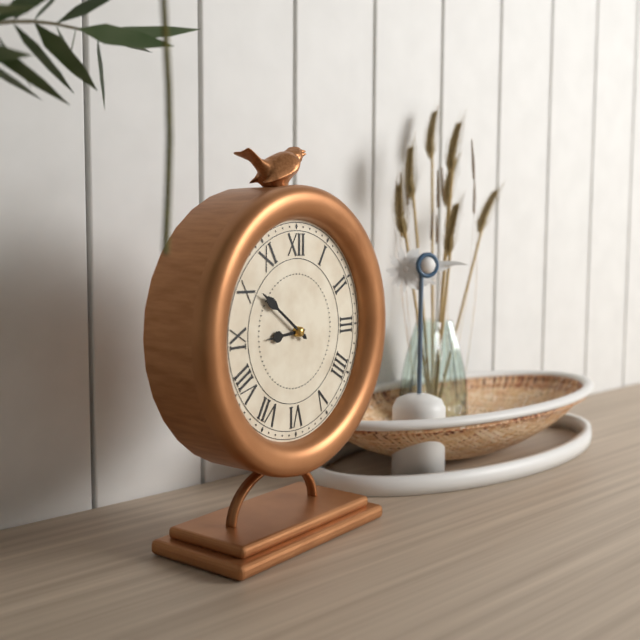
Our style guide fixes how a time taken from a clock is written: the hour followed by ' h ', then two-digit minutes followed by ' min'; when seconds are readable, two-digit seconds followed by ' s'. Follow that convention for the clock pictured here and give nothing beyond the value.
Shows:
8 h 51 min
